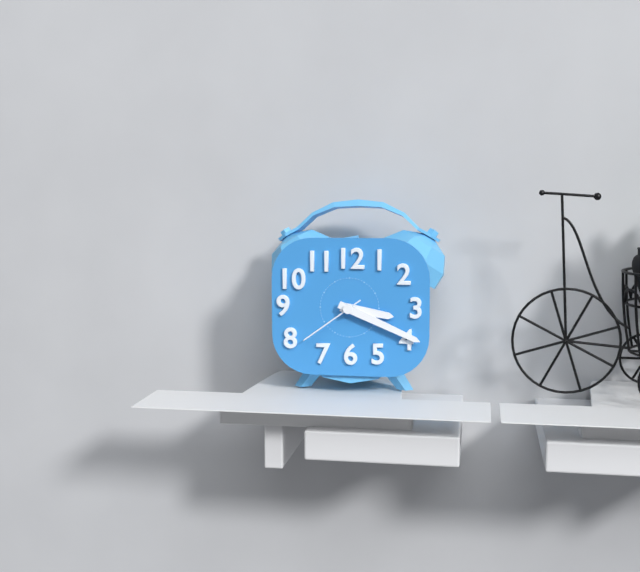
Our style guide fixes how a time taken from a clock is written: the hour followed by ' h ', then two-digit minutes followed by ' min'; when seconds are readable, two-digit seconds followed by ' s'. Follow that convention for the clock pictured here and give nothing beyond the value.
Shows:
3 h 19 min 39 s
